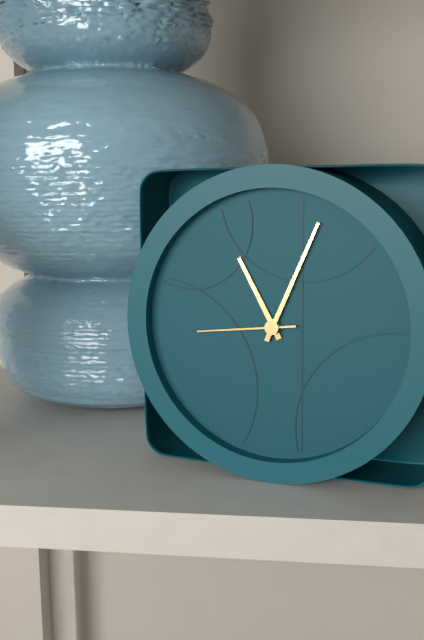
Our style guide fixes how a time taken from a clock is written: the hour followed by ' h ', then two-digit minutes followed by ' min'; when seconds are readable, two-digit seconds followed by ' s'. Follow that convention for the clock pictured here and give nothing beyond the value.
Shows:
11 h 04 min 44 s
